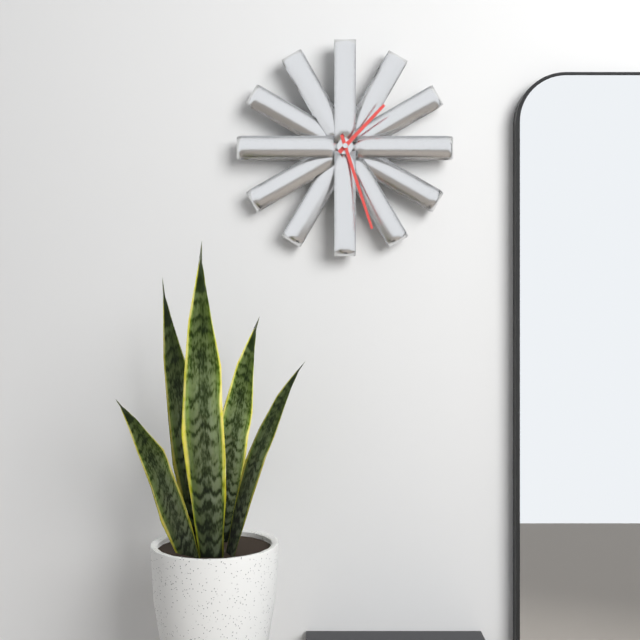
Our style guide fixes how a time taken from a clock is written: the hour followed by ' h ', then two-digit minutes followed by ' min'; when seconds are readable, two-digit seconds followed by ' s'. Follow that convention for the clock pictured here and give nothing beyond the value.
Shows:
1 h 27 min
